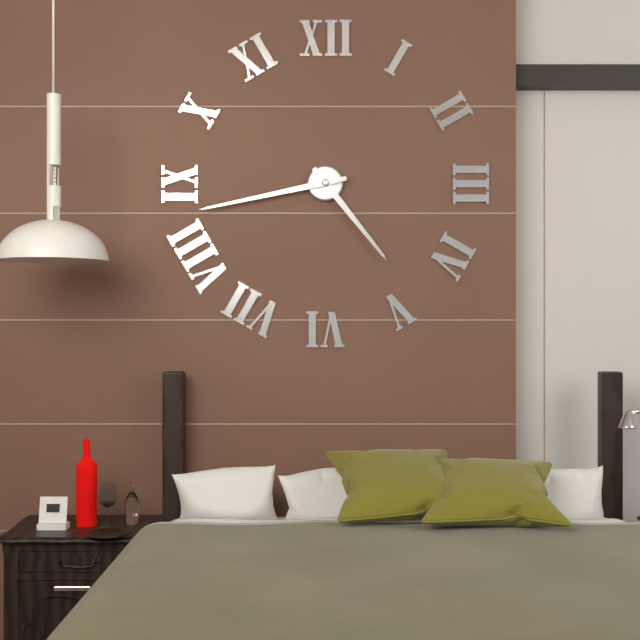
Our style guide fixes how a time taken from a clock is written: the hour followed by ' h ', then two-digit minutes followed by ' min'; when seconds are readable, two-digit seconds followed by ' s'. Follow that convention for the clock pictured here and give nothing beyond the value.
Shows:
4 h 43 min
